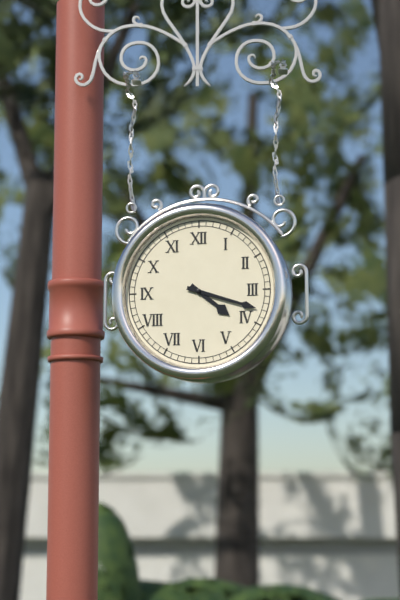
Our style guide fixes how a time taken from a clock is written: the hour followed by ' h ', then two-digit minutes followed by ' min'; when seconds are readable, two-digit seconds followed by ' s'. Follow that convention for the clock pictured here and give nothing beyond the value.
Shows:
4 h 18 min
